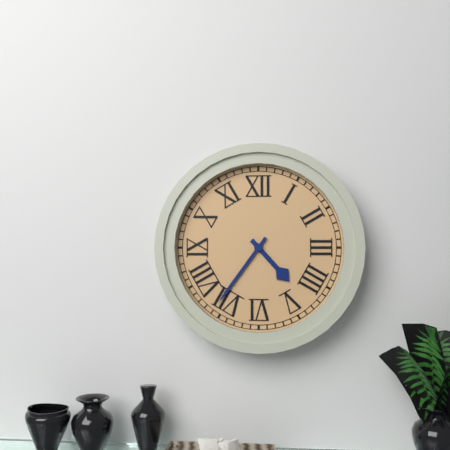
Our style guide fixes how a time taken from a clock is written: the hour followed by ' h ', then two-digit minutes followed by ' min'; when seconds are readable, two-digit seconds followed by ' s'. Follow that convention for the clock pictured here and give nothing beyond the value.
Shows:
4 h 36 min
